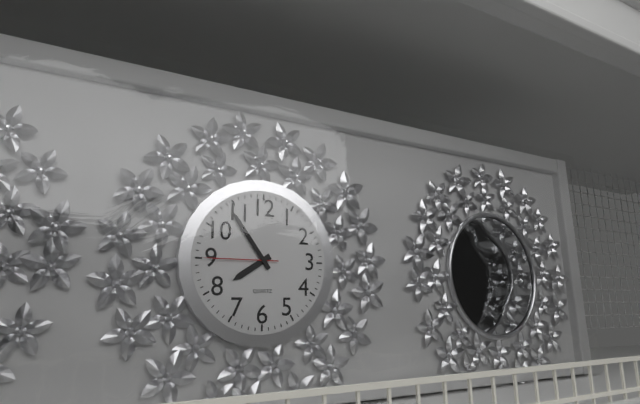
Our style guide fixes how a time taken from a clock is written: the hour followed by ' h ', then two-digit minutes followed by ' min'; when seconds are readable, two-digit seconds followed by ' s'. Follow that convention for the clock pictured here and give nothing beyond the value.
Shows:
7 h 54 min 45 s
